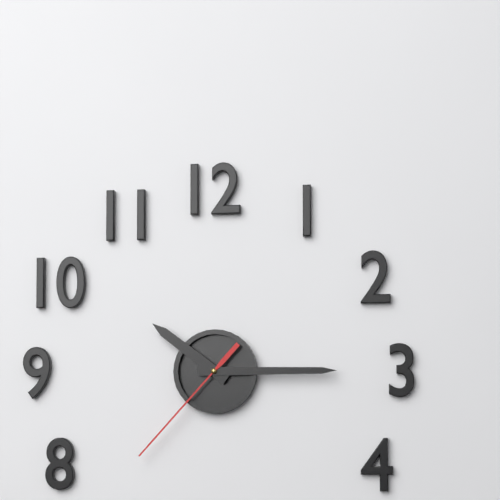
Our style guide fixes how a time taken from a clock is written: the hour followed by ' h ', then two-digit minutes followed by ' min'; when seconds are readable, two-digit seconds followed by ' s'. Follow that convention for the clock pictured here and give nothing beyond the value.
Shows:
10 h 15 min 37 s
